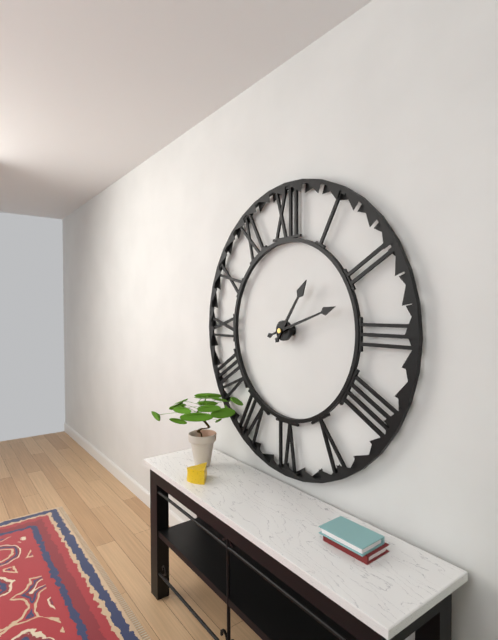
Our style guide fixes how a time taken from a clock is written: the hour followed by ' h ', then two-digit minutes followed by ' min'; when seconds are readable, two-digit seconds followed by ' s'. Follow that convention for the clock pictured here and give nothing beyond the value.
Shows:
1 h 12 min
